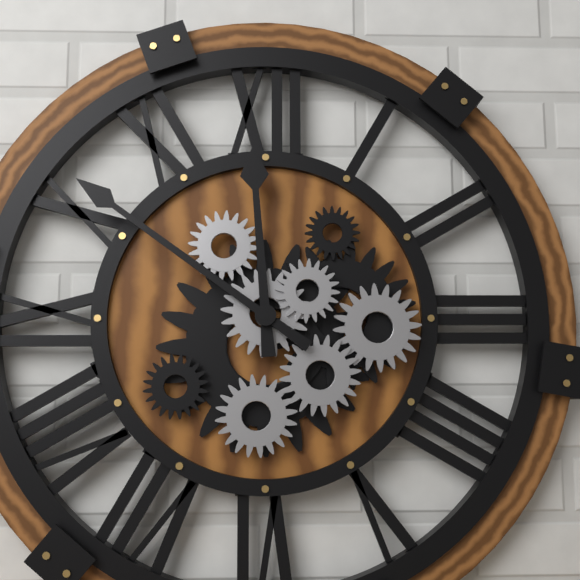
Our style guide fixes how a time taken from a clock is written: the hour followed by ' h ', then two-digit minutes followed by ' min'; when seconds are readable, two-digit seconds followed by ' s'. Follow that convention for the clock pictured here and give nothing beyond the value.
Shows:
11 h 51 min
